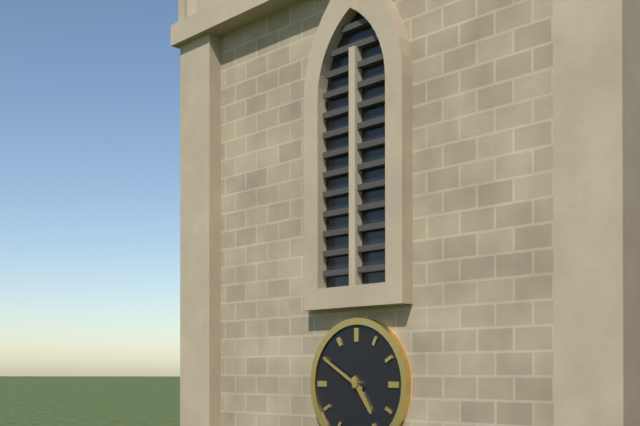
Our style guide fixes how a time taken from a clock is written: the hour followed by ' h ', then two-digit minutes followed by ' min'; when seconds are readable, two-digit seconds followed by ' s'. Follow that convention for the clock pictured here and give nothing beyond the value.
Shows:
4 h 50 min
